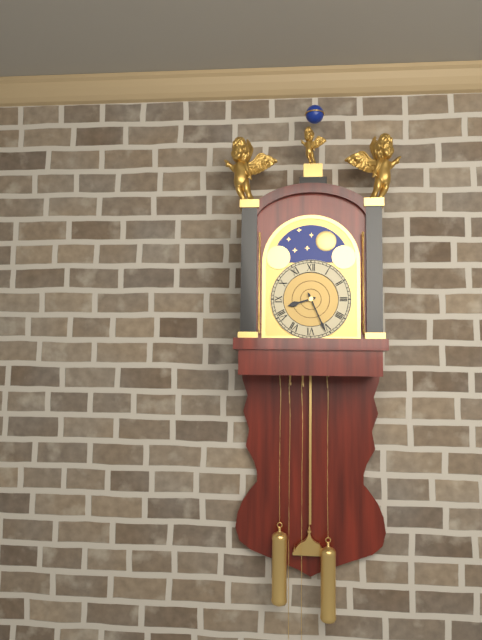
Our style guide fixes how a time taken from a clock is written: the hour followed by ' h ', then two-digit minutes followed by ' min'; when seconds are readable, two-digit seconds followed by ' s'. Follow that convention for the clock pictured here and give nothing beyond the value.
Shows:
8 h 26 min
